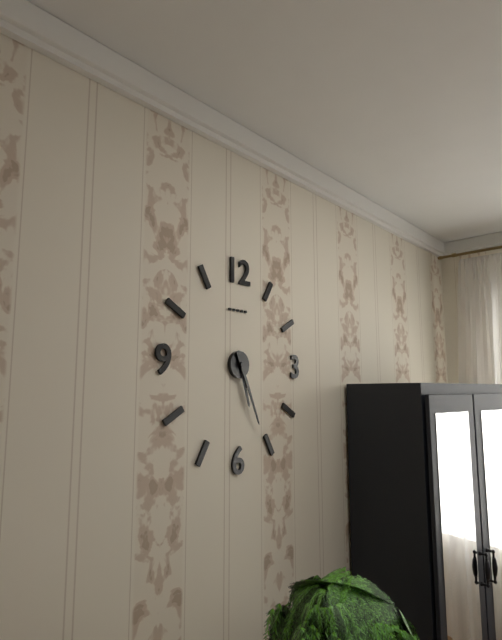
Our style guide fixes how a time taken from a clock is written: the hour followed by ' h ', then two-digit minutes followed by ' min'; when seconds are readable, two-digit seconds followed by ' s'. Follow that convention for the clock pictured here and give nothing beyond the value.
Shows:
5 h 26 min
